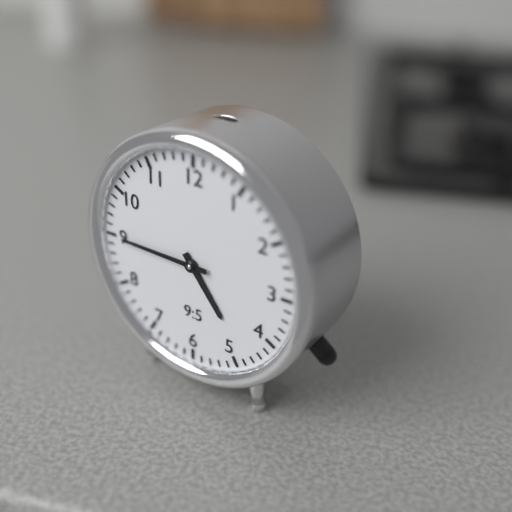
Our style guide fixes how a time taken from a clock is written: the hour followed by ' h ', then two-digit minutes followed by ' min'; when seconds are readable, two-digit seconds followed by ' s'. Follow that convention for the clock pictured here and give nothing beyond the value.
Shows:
4 h 45 min
